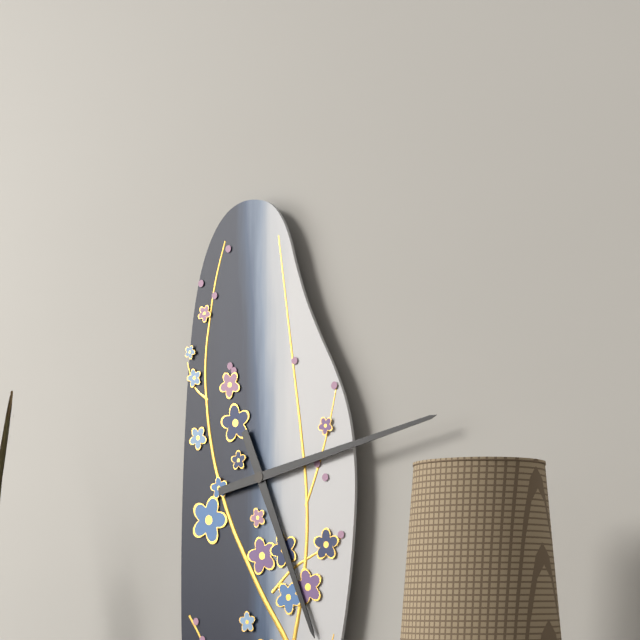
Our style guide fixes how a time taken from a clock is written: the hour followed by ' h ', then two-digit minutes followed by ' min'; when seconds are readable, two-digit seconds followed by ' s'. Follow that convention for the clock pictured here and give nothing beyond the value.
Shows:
5 h 13 min
